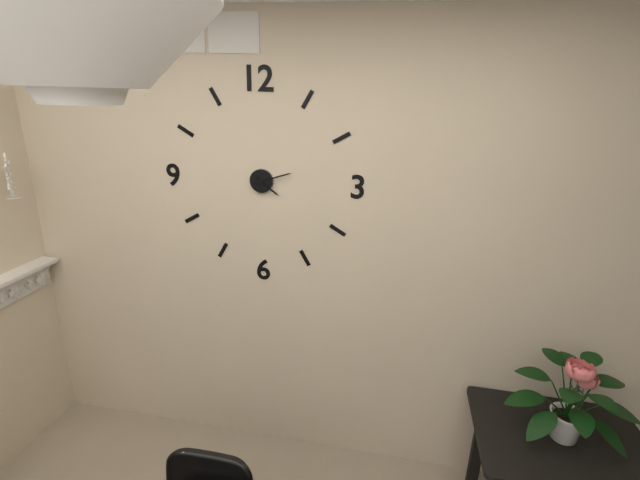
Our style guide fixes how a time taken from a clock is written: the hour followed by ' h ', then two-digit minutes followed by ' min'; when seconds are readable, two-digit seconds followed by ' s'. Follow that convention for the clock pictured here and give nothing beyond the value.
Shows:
4 h 12 min
